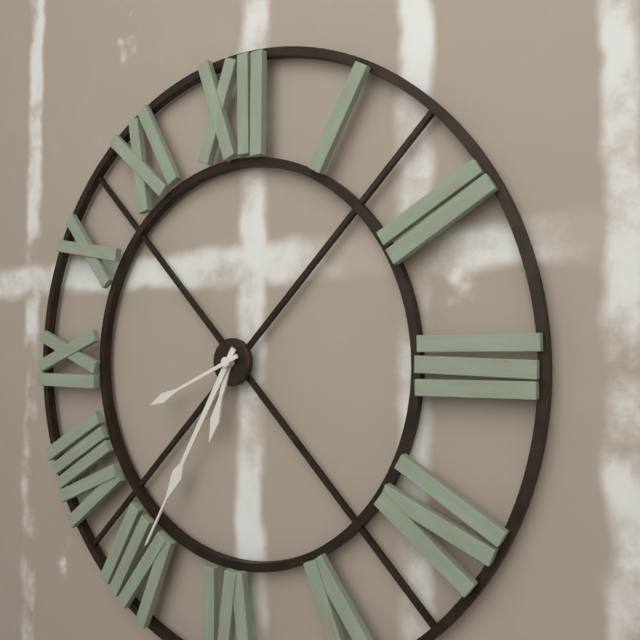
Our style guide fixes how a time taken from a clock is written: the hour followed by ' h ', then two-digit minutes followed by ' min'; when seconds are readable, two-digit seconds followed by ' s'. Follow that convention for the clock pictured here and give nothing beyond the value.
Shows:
6 h 35 min 41 s
